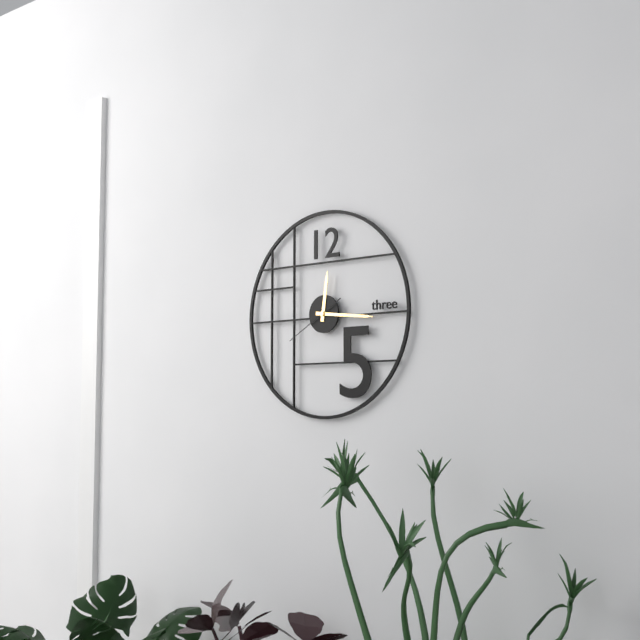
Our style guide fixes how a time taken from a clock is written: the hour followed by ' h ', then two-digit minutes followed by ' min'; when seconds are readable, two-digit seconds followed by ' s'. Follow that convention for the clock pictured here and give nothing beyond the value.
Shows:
12 h 16 min 40 s
